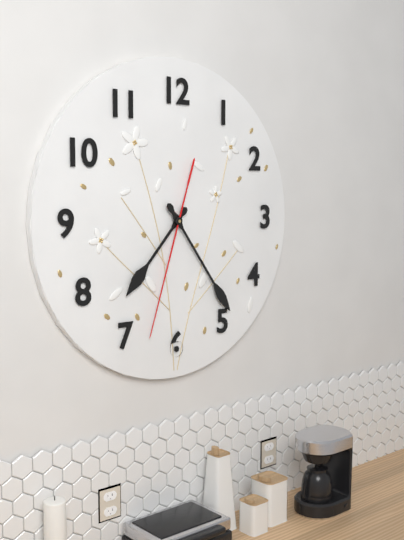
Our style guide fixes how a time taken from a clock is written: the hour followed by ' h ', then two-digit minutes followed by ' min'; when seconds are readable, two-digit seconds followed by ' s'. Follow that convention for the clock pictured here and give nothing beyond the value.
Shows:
7 h 24 min 33 s
